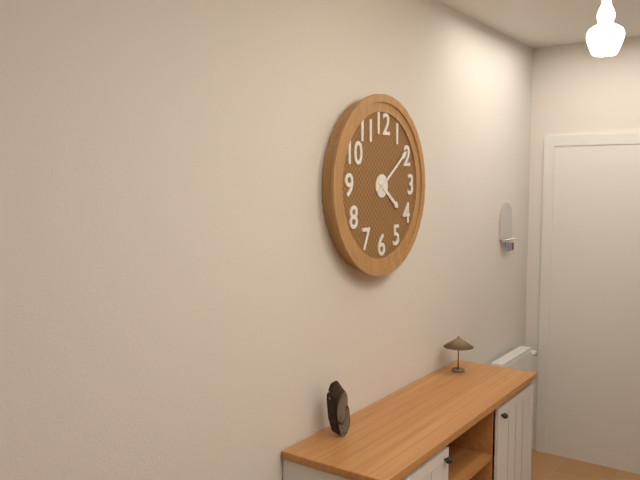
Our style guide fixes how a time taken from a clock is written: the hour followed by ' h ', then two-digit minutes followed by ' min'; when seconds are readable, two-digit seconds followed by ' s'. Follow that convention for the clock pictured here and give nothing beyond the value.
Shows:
4 h 09 min
